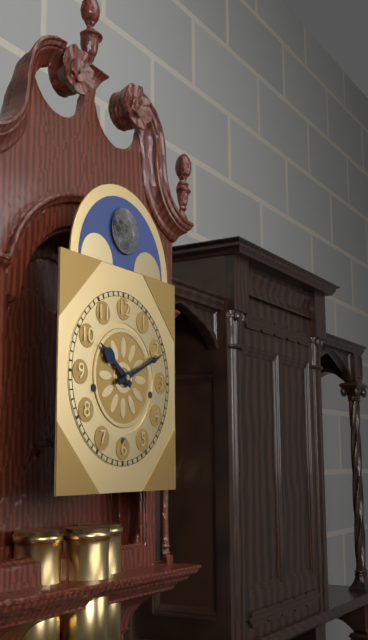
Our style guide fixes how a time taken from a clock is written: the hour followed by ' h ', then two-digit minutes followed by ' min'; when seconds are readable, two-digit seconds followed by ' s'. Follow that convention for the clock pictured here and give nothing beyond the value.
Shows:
10 h 11 min
